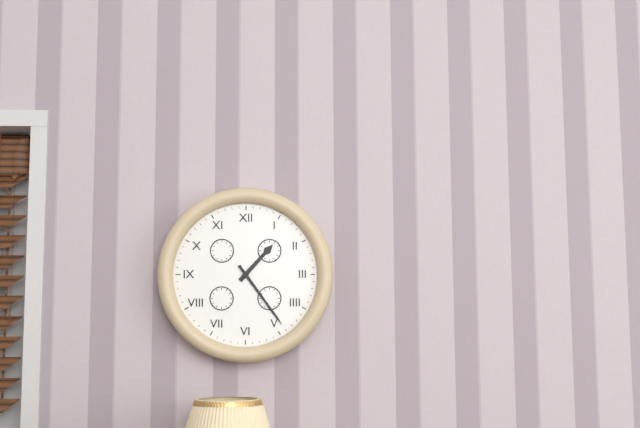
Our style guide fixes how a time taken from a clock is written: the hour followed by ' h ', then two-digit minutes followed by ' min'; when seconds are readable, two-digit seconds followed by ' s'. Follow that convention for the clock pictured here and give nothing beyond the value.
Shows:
1 h 24 min
